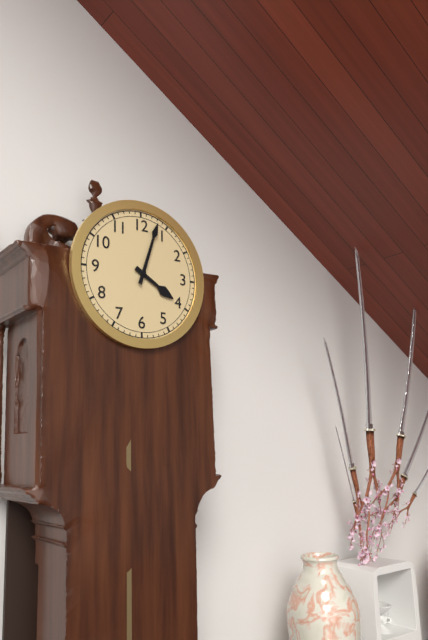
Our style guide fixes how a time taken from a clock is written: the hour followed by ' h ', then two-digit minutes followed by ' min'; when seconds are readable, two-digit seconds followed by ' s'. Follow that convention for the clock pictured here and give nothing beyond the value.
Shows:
4 h 03 min
